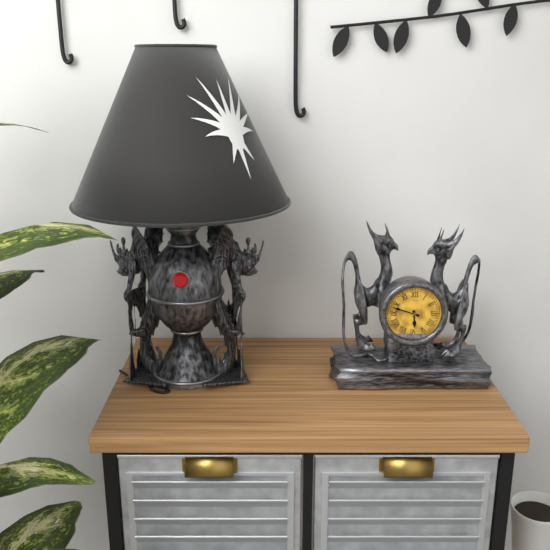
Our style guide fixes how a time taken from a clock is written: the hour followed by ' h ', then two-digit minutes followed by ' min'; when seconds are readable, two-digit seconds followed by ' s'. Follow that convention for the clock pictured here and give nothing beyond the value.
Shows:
5 h 48 min
